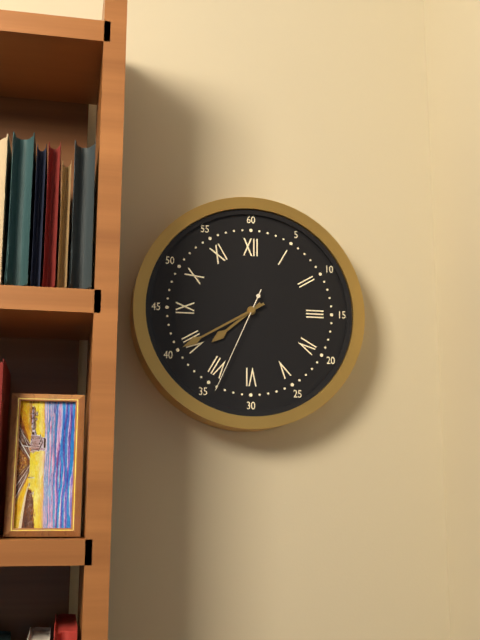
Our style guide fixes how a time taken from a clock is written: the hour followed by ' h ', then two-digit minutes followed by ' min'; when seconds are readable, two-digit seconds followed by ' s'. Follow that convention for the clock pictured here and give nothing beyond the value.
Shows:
7 h 40 min 34 s
